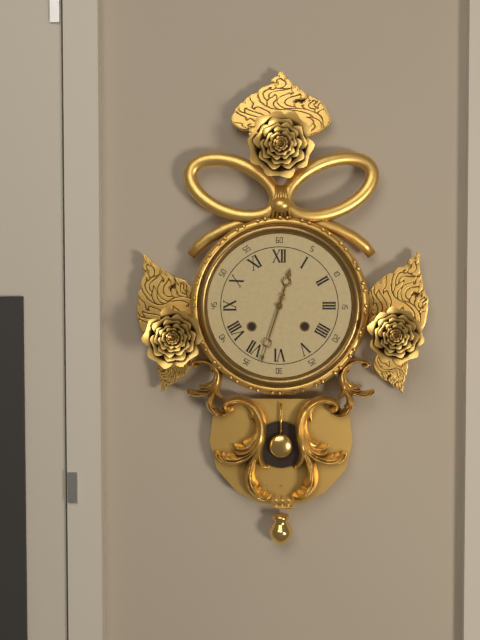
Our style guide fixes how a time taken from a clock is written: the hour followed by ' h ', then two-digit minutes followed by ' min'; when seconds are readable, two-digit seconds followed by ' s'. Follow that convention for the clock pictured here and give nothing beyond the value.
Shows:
12 h 33 min
